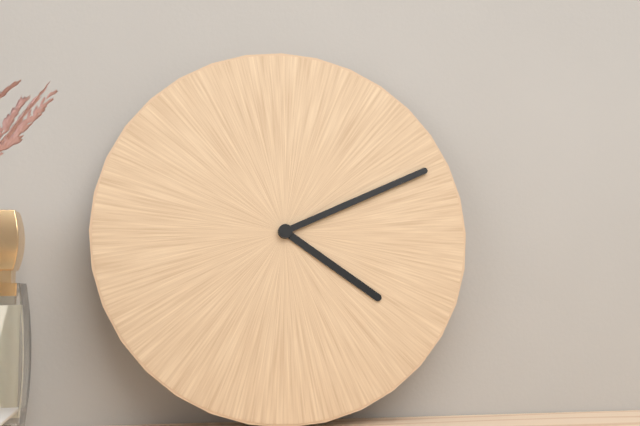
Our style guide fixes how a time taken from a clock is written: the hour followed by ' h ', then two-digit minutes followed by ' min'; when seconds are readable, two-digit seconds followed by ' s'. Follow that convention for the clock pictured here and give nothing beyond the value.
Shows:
4 h 11 min
